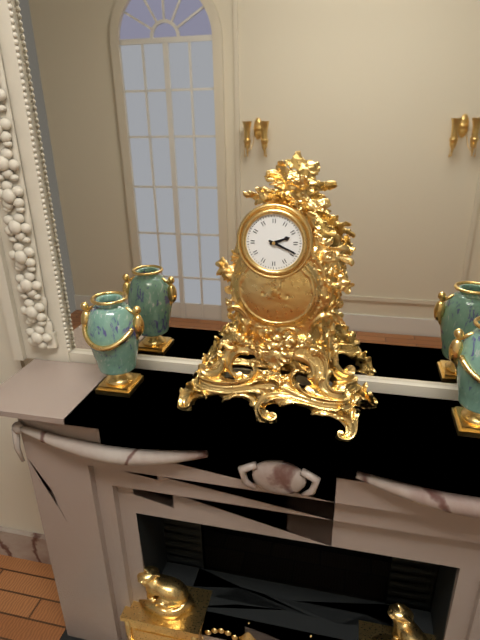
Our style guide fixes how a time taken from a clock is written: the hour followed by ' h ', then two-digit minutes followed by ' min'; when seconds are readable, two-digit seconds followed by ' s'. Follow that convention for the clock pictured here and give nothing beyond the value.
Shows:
2 h 19 min
